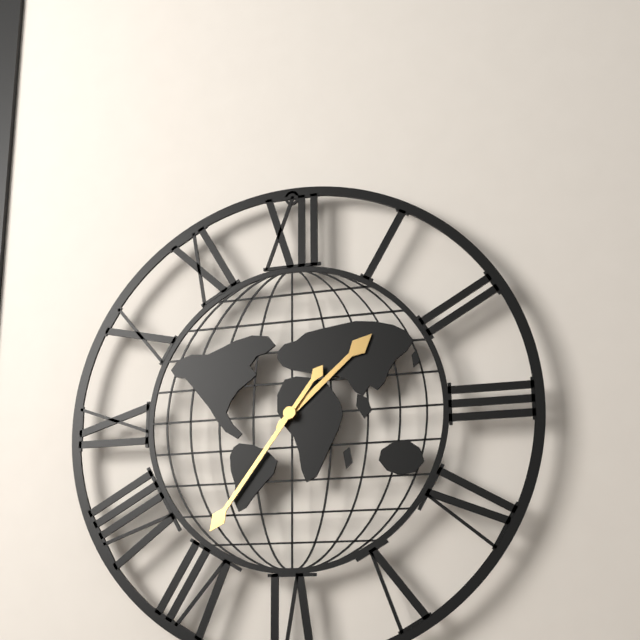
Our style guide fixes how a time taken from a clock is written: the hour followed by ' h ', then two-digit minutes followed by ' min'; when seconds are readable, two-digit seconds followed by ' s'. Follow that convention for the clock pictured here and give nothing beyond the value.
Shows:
1 h 36 min
